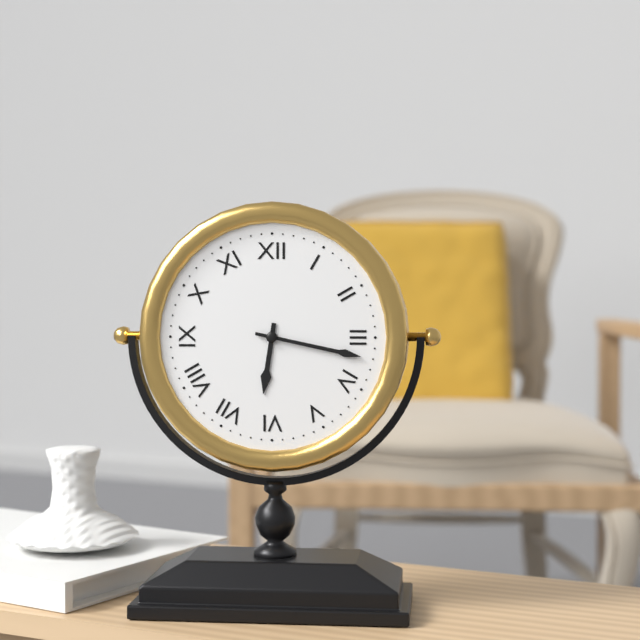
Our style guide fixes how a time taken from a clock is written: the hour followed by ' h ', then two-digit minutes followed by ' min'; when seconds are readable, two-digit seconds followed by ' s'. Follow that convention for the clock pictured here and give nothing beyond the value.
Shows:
6 h 17 min
